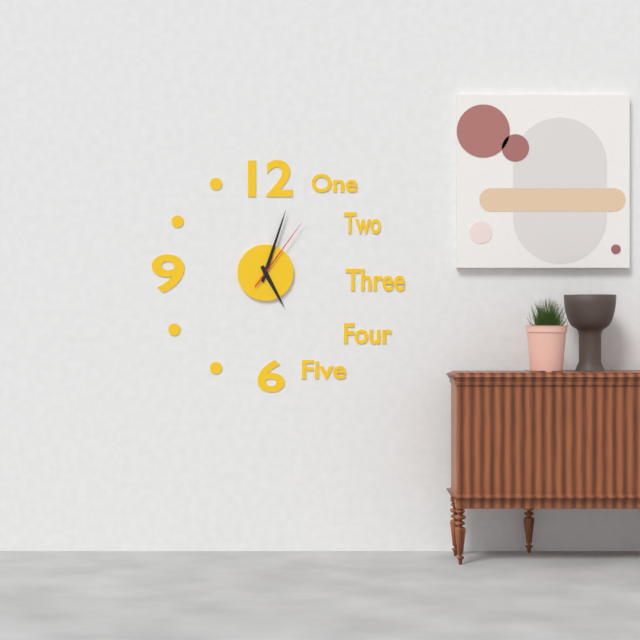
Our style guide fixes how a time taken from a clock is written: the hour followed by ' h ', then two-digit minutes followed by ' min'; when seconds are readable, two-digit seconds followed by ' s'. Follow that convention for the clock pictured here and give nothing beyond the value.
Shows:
5 h 03 min 06 s
